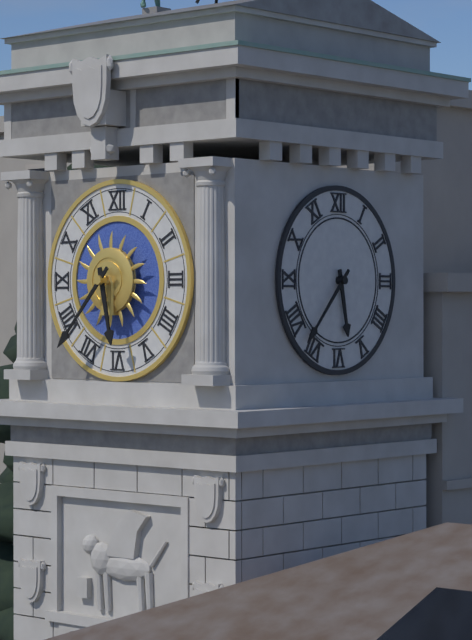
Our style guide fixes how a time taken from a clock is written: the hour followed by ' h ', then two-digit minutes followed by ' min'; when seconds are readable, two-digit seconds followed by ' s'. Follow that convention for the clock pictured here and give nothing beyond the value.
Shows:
5 h 37 min
